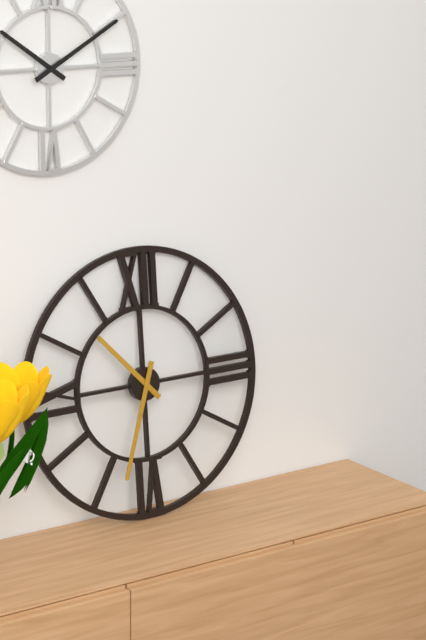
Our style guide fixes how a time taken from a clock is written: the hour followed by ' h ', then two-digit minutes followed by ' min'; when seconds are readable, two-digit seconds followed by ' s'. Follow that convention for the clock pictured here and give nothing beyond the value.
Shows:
10 h 33 min
